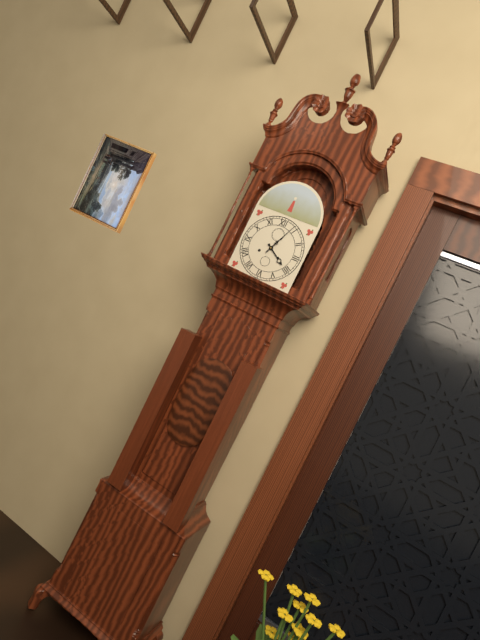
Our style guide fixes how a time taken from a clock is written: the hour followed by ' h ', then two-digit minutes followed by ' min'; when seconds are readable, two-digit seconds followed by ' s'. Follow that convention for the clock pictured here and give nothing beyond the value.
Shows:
4 h 04 min
